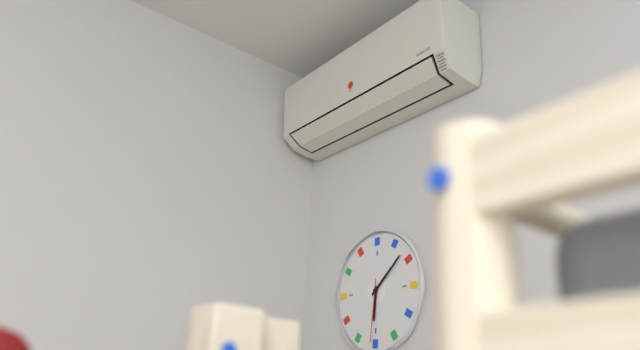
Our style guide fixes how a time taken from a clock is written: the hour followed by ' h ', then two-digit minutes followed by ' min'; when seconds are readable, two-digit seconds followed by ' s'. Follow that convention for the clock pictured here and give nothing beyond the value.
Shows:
6 h 08 min 31 s
